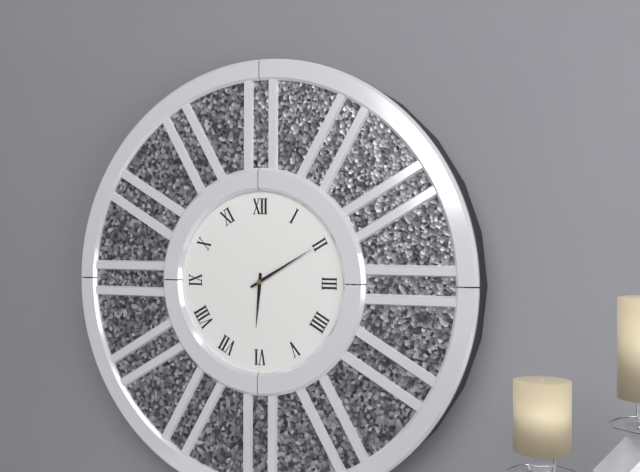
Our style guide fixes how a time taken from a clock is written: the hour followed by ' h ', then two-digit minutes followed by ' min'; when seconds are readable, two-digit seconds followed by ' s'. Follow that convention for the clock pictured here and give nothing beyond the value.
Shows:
6 h 10 min
